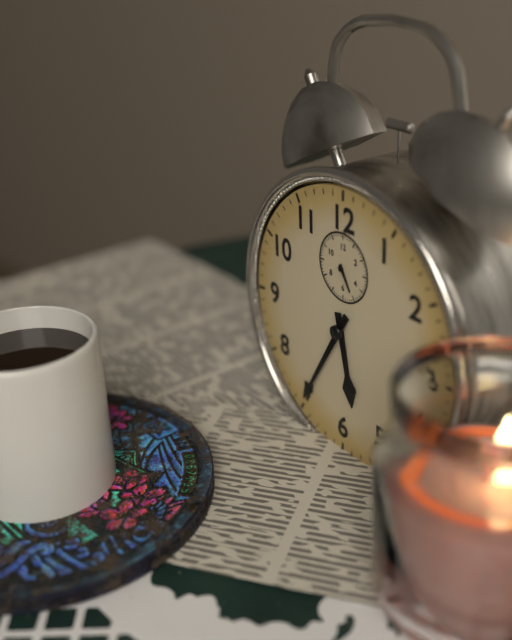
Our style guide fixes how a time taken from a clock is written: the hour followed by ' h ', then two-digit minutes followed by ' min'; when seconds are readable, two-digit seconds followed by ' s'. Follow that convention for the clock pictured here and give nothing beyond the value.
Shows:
5 h 35 min
